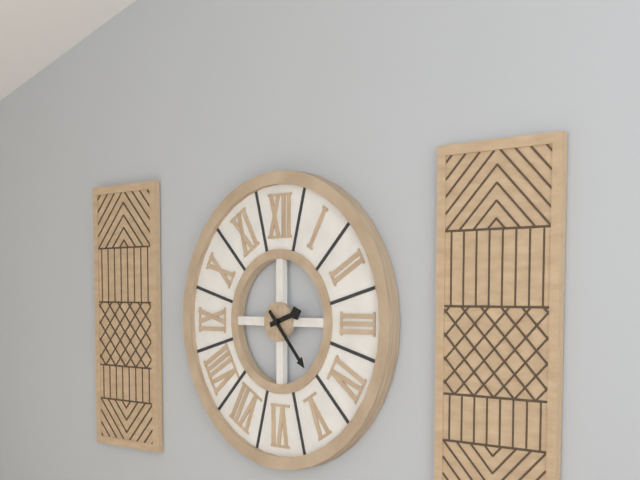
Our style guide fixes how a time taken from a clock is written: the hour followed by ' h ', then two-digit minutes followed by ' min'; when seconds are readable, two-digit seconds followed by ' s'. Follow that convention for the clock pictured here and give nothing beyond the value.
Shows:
2 h 23 min
